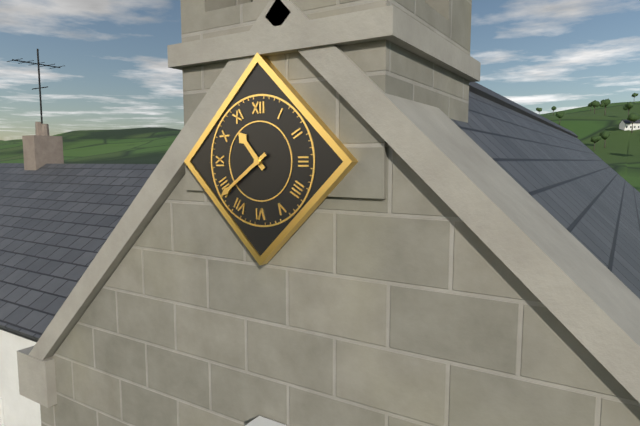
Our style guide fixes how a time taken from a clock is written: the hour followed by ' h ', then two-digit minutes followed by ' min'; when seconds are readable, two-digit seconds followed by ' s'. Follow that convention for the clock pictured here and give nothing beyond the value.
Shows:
10 h 39 min
